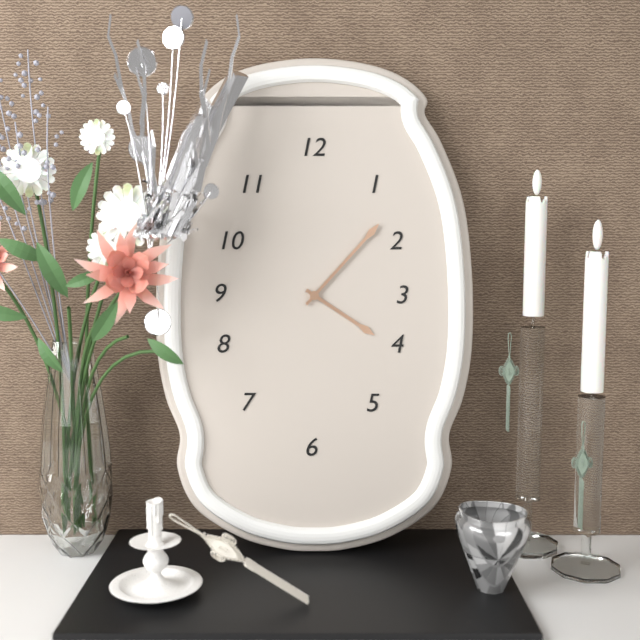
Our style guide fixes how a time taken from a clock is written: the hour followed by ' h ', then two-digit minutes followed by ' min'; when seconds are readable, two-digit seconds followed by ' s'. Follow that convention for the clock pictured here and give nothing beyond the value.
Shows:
4 h 07 min
